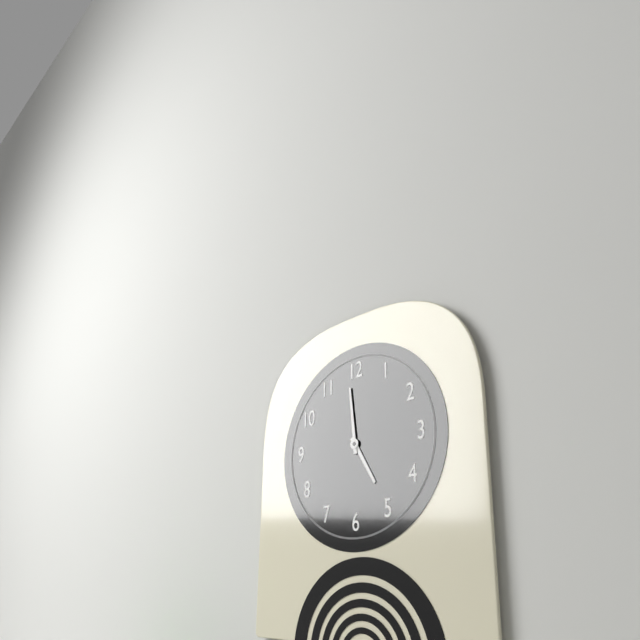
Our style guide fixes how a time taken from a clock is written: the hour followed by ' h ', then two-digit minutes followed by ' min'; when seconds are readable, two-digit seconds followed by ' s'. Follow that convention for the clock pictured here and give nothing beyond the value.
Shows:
4 h 59 min
